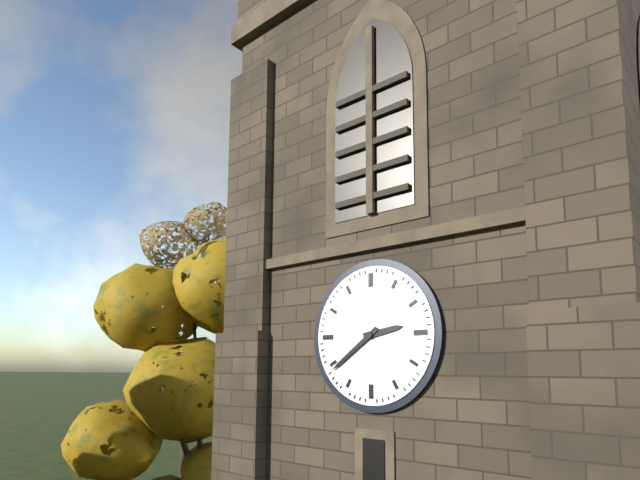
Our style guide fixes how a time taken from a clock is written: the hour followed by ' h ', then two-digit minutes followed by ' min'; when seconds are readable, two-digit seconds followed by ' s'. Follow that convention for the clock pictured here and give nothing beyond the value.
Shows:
2 h 39 min
